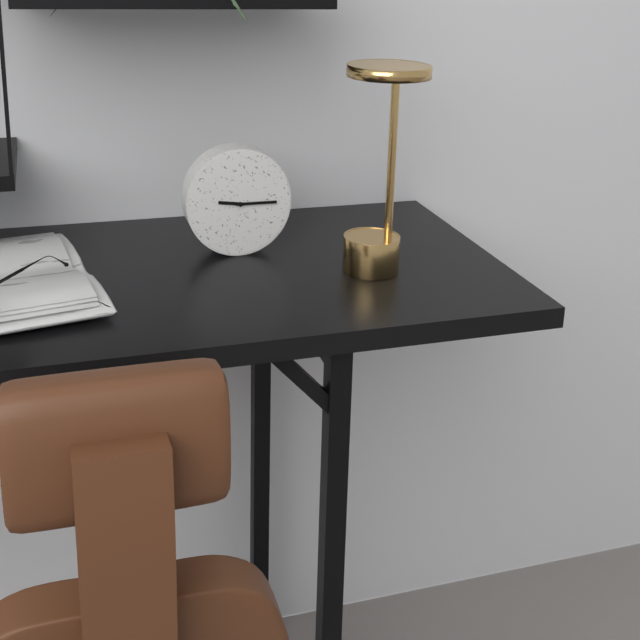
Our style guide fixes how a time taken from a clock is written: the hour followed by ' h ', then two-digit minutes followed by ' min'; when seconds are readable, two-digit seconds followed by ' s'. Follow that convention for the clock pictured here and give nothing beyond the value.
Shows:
9 h 15 min
